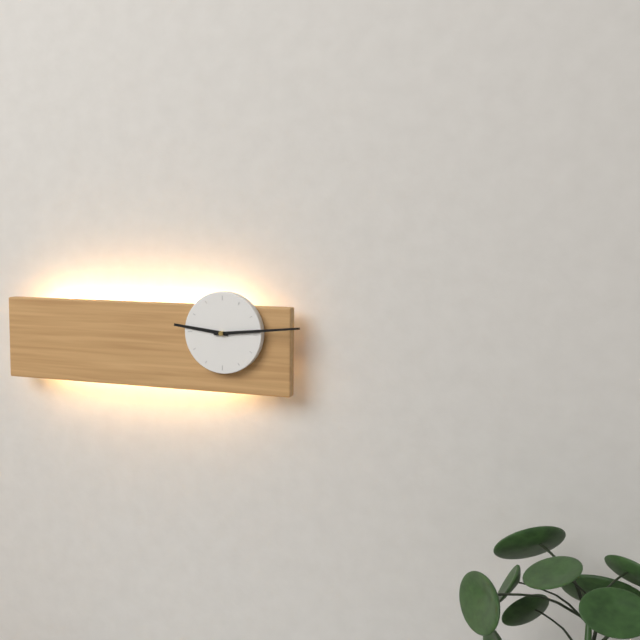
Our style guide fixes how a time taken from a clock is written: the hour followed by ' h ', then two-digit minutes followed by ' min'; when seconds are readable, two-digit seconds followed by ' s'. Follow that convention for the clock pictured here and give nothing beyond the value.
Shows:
9 h 14 min
